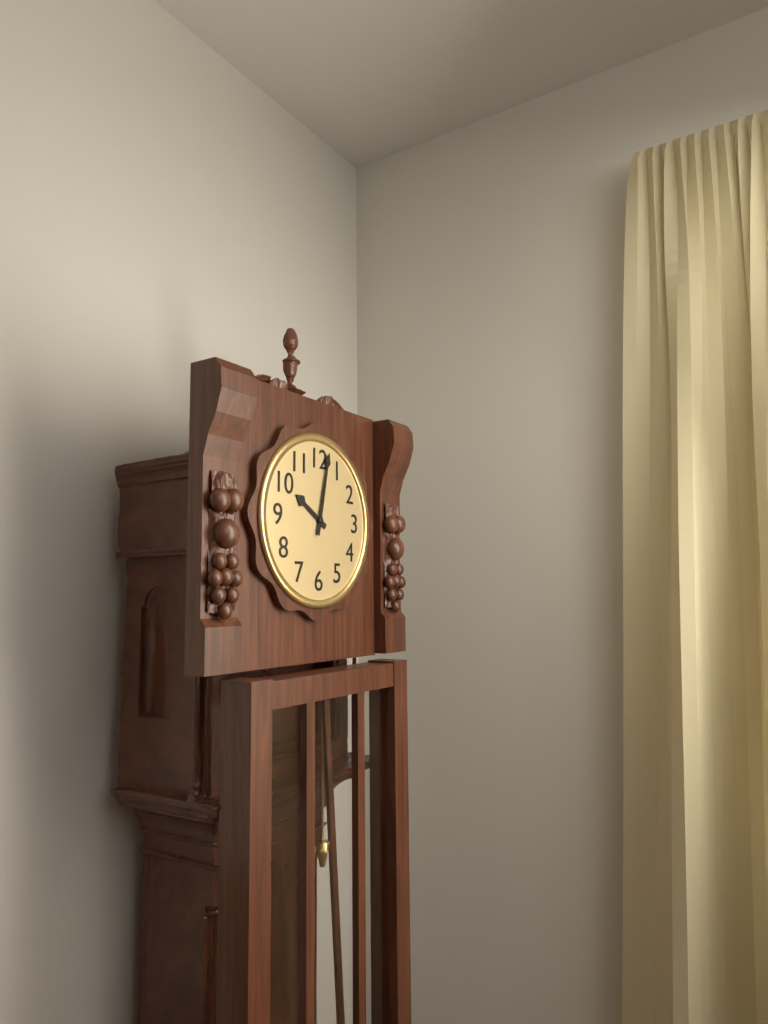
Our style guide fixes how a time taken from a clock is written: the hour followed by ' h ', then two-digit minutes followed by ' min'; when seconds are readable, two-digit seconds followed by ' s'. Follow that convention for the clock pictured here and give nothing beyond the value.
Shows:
10 h 02 min
